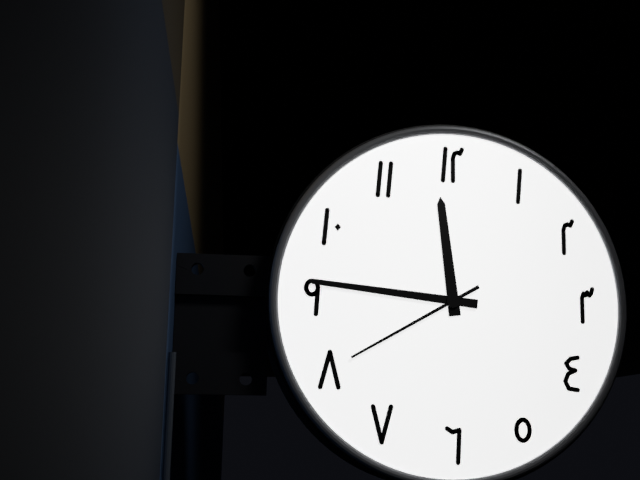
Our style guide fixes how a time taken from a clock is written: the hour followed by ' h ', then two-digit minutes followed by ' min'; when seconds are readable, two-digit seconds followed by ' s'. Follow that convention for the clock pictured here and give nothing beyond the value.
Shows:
11 h 46 min 40 s
